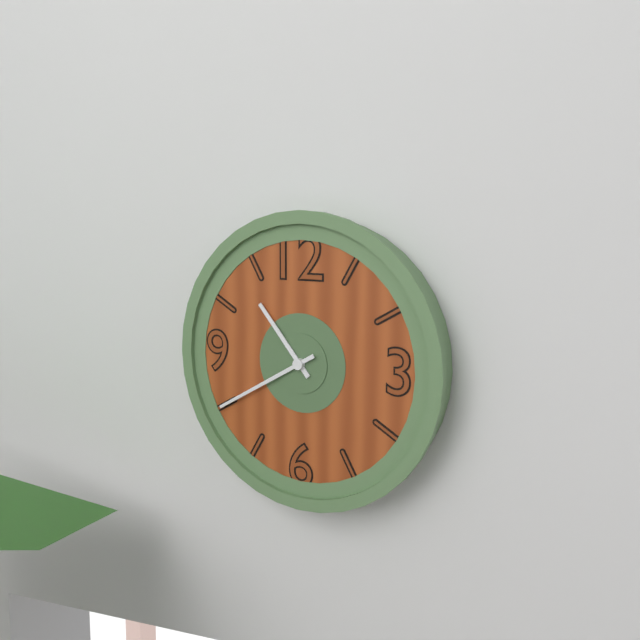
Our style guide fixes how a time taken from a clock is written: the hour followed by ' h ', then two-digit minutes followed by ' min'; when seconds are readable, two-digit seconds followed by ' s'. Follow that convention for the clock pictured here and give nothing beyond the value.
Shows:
10 h 40 min
